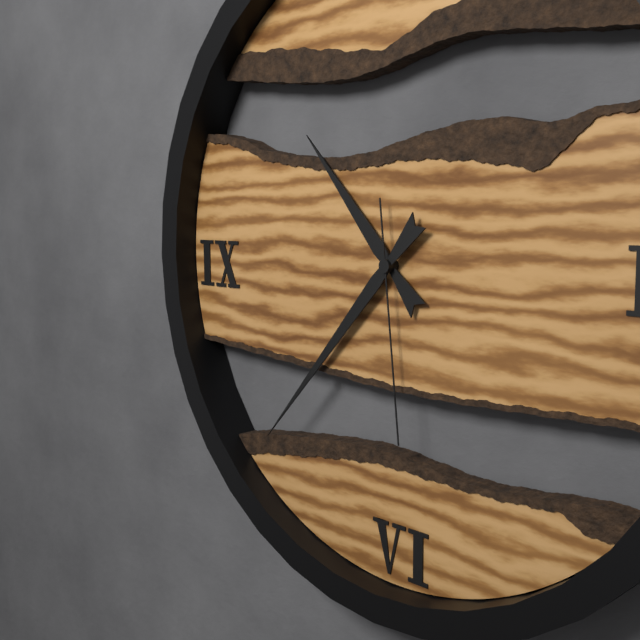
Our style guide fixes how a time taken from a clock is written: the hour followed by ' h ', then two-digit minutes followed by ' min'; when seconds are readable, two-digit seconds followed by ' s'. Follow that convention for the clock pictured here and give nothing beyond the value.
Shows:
10 h 37 min 29 s
